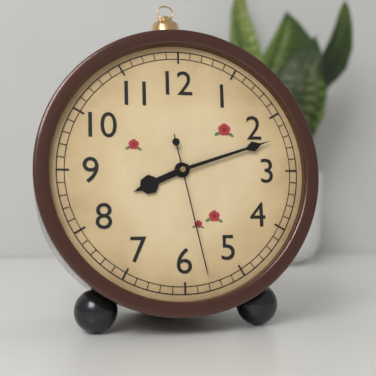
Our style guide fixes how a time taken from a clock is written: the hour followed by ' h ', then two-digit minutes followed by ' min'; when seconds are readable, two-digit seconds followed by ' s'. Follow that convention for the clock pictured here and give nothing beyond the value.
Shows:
8 h 12 min 28 s
